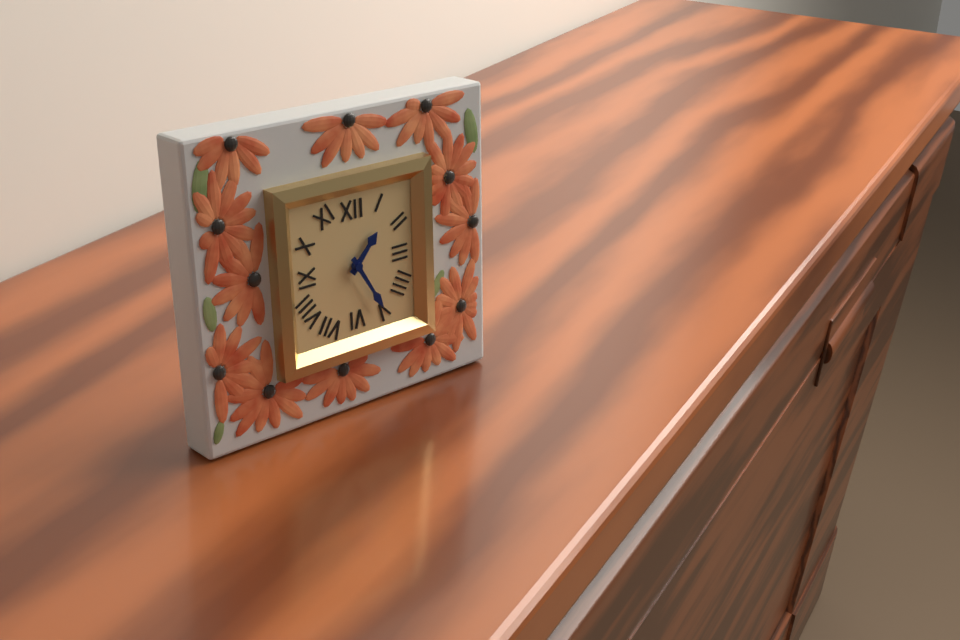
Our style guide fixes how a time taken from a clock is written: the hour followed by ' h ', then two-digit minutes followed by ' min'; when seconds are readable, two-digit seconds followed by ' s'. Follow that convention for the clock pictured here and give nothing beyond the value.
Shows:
1 h 25 min
